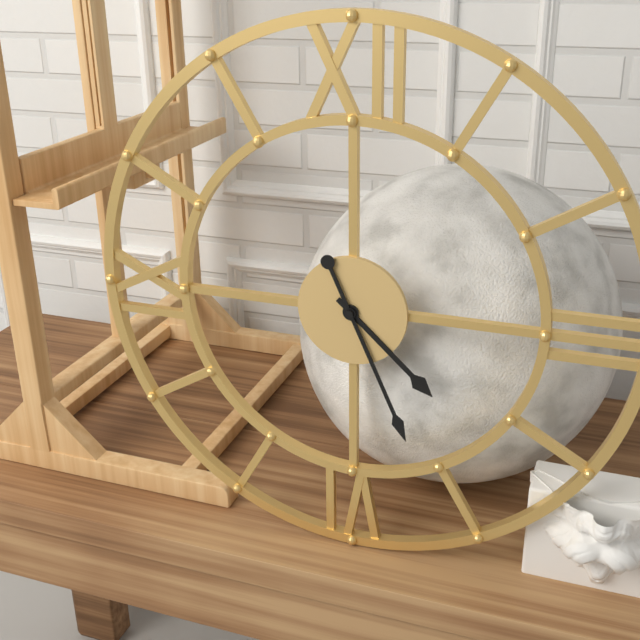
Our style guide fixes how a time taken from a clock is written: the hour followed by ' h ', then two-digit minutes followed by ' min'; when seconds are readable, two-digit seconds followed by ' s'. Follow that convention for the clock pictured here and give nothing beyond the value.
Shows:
4 h 26 min
